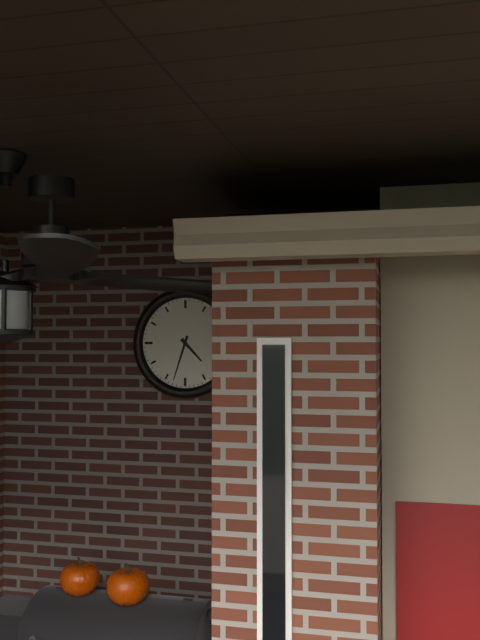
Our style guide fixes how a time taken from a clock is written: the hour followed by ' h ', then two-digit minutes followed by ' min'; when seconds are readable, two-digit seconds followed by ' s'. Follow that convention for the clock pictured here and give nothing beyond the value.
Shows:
4 h 33 min
